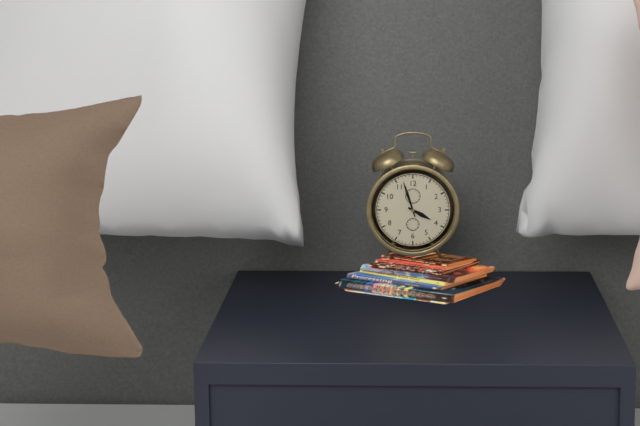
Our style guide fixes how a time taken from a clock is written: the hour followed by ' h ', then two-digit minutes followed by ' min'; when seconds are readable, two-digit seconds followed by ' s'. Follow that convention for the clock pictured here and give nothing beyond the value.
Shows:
3 h 57 min
